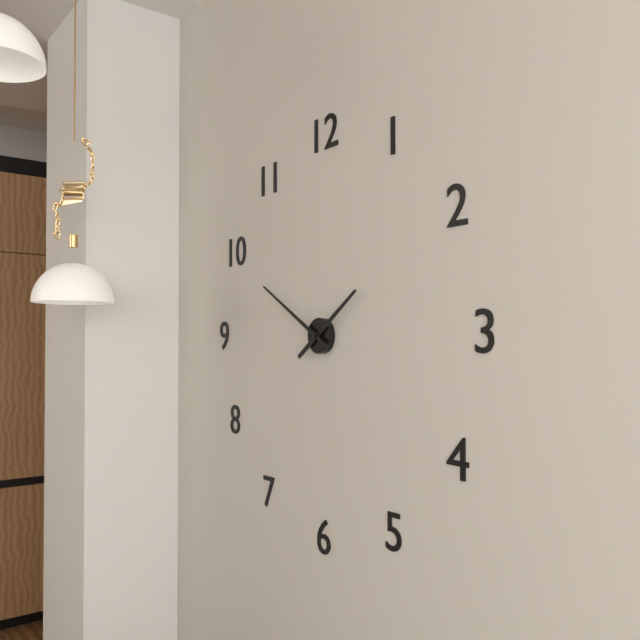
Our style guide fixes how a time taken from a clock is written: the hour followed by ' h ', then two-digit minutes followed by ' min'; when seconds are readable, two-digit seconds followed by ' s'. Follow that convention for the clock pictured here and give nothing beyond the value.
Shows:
1 h 50 min
